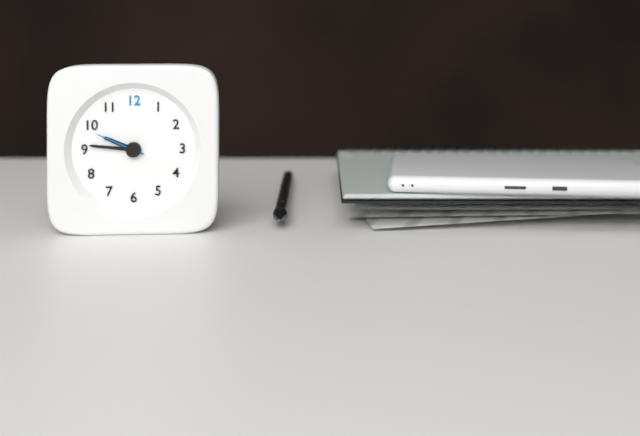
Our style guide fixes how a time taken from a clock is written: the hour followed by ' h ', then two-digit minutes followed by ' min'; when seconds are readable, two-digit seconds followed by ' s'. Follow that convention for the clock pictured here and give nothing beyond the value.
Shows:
9 h 46 min 49 s
